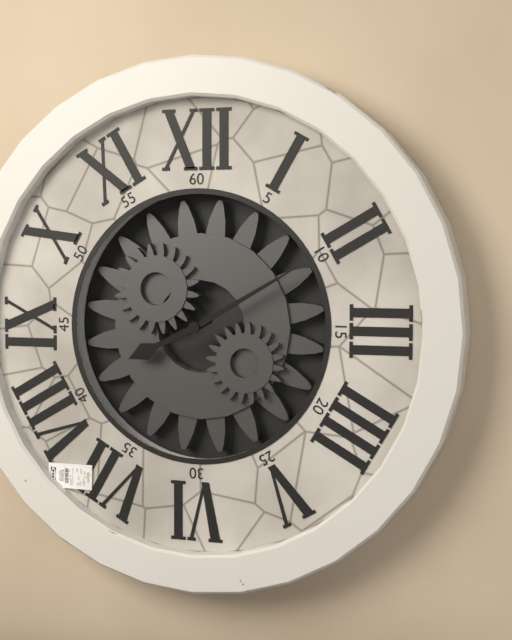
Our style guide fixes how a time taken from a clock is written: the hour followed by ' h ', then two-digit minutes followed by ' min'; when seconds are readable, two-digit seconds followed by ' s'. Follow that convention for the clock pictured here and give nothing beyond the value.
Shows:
8 h 10 min
